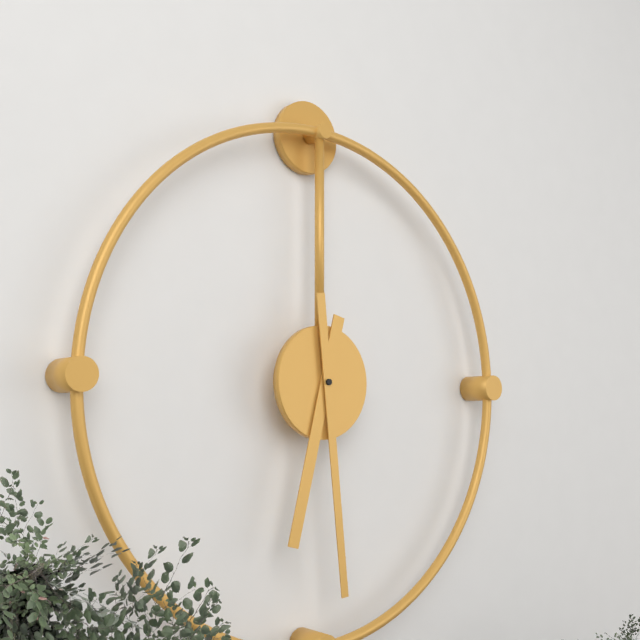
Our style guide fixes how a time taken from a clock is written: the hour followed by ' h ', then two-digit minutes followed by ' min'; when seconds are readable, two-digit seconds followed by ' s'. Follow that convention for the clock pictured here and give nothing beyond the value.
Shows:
6 h 29 min
